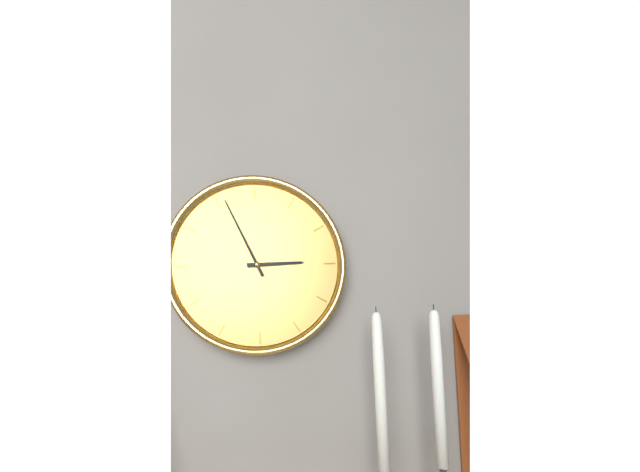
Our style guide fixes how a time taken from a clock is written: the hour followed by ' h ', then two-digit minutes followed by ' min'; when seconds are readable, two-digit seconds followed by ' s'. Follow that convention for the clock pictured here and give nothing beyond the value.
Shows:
2 h 56 min
